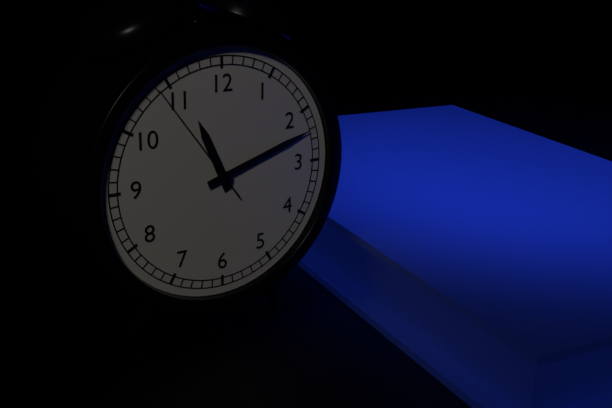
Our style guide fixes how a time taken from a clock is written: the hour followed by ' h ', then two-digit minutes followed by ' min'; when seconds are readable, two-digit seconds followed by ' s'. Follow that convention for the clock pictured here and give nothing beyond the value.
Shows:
11 h 12 min 54 s
